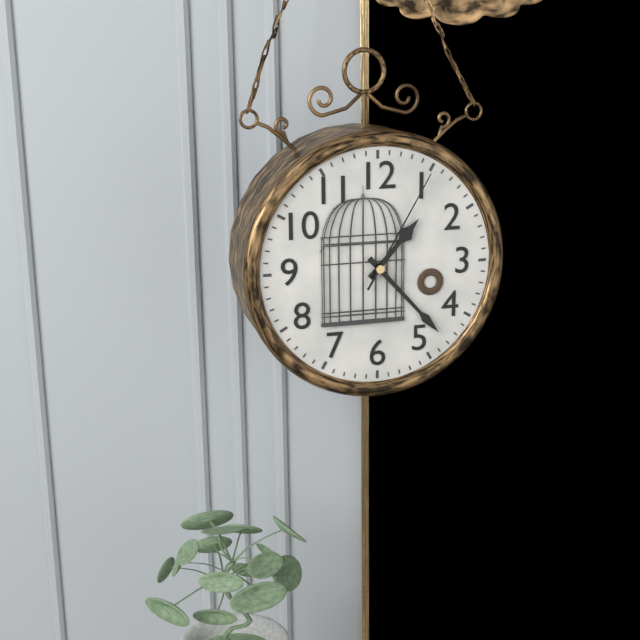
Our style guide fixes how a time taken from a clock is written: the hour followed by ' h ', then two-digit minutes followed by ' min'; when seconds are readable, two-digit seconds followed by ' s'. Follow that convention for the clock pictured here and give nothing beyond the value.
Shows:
1 h 23 min 05 s
